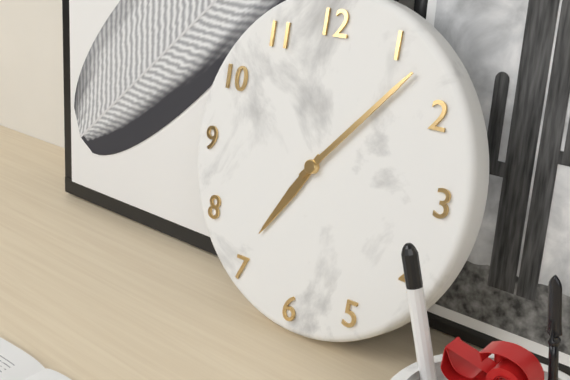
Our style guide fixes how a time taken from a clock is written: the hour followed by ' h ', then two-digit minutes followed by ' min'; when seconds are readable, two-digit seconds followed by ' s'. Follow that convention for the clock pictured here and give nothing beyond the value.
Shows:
7 h 07 min
